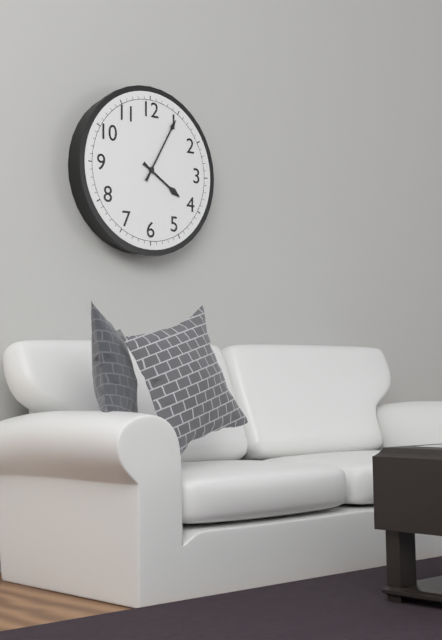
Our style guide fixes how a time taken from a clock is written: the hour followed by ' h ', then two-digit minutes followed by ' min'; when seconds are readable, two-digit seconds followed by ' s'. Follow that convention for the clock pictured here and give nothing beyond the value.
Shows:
4 h 05 min
